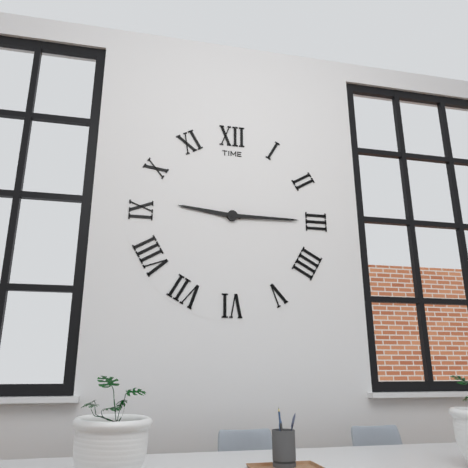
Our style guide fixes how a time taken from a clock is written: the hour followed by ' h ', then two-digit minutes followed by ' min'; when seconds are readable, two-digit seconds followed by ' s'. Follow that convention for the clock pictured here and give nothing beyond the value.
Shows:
9 h 15 min
